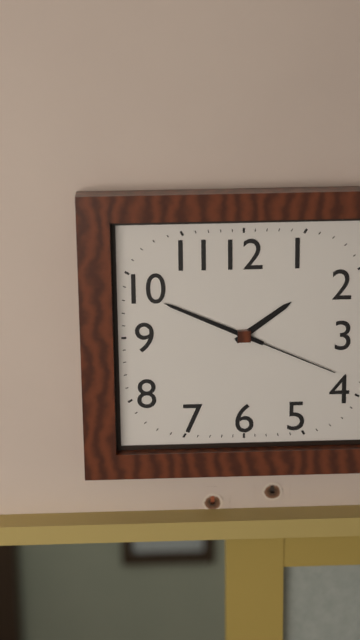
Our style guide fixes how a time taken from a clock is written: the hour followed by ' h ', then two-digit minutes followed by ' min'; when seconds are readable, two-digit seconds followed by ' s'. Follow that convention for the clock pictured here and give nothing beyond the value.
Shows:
1 h 49 min 19 s
